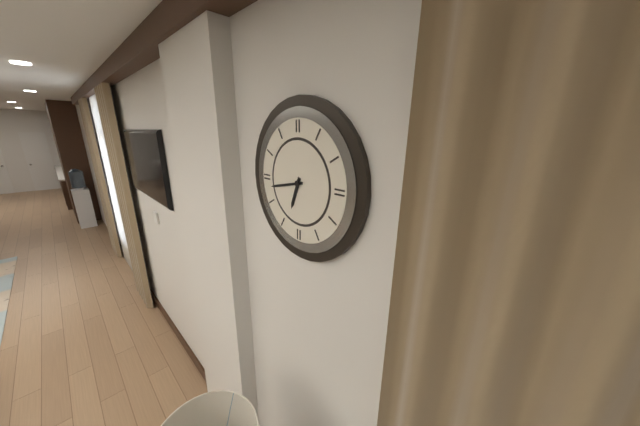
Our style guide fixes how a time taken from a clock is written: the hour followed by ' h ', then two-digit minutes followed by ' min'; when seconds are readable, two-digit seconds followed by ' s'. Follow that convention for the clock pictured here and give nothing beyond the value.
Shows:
6 h 43 min
